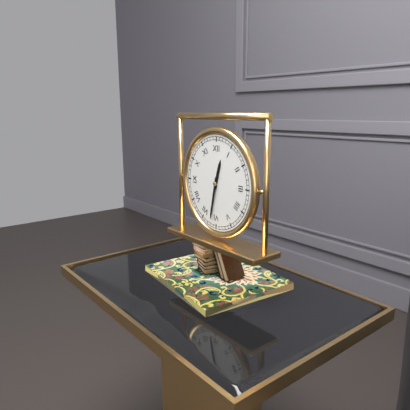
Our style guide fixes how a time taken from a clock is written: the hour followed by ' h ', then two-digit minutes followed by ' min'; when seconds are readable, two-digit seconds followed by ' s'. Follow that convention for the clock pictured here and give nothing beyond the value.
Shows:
12 h 32 min
